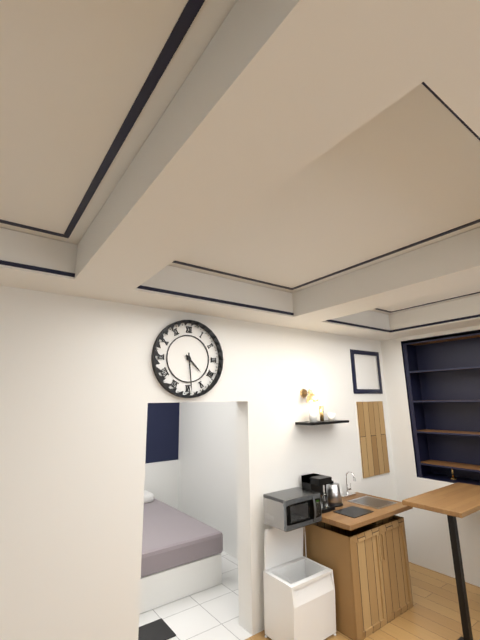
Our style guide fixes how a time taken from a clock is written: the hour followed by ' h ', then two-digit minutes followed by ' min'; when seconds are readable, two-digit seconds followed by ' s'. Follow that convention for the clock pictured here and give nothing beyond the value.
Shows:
4 h 29 min
